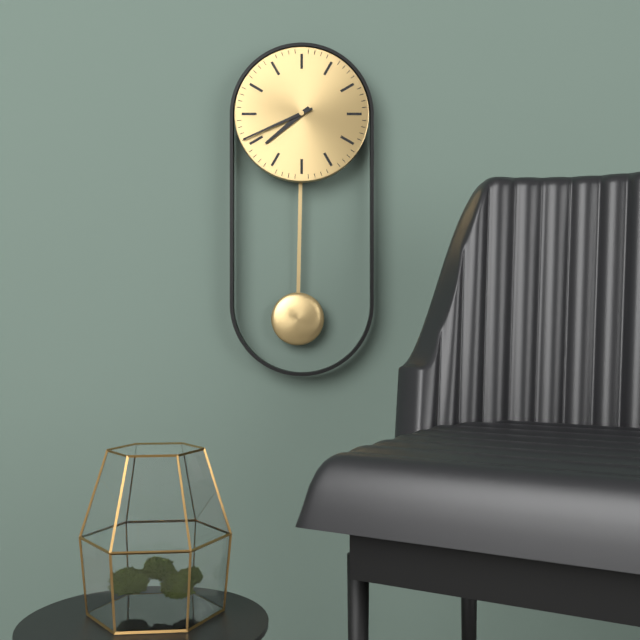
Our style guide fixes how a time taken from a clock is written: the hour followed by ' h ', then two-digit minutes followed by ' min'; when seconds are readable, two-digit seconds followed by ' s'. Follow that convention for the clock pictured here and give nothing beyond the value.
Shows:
7 h 41 min
